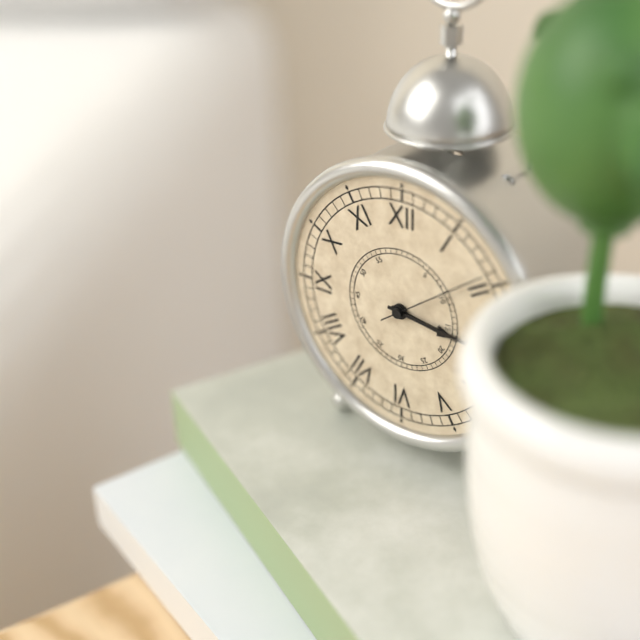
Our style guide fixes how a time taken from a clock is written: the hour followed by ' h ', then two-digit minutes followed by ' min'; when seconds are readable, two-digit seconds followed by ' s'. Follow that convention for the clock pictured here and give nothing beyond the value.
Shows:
3 h 16 min 09 s
